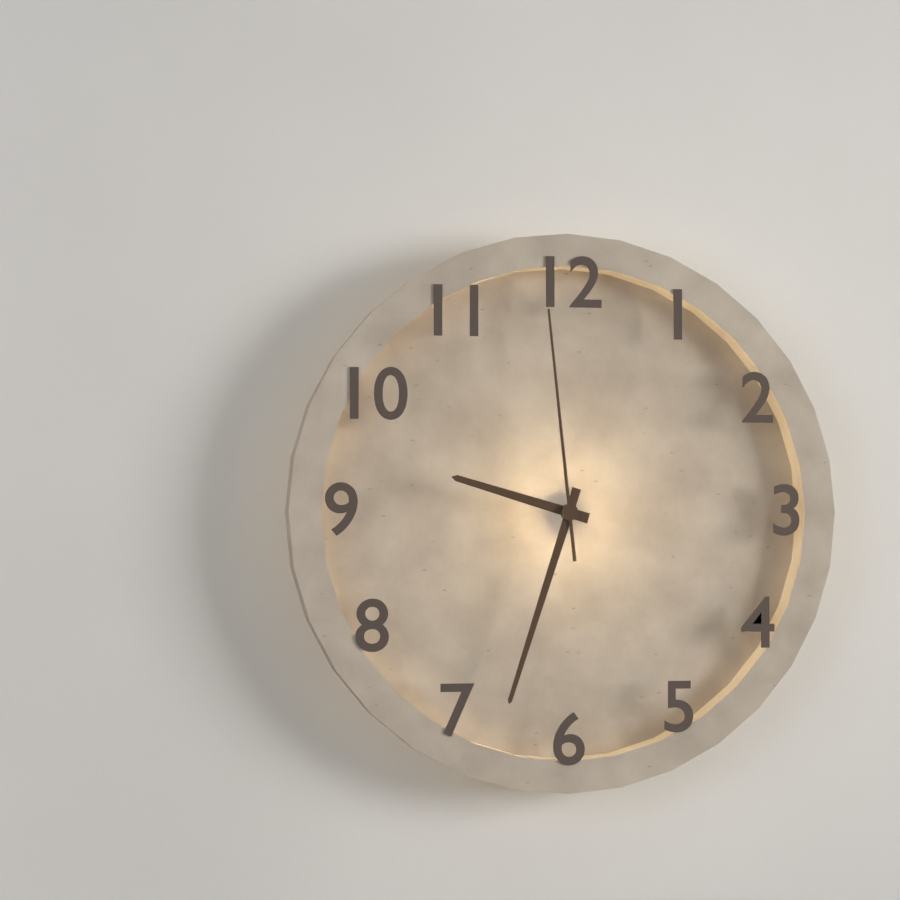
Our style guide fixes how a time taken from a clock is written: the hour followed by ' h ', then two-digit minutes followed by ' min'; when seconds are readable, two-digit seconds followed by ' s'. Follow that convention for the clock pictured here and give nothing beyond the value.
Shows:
9 h 33 min 59 s
